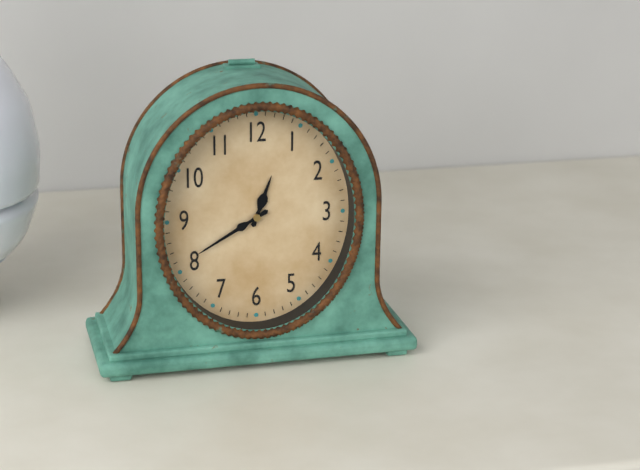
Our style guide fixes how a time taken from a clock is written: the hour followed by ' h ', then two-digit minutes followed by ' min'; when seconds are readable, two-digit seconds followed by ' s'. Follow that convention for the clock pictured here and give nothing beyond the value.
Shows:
12 h 40 min
